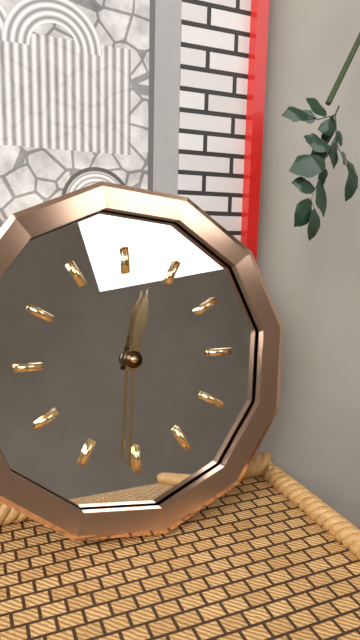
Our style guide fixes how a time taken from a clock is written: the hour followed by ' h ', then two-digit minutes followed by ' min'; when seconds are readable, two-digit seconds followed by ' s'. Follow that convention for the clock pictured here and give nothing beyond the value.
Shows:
12 h 31 min
